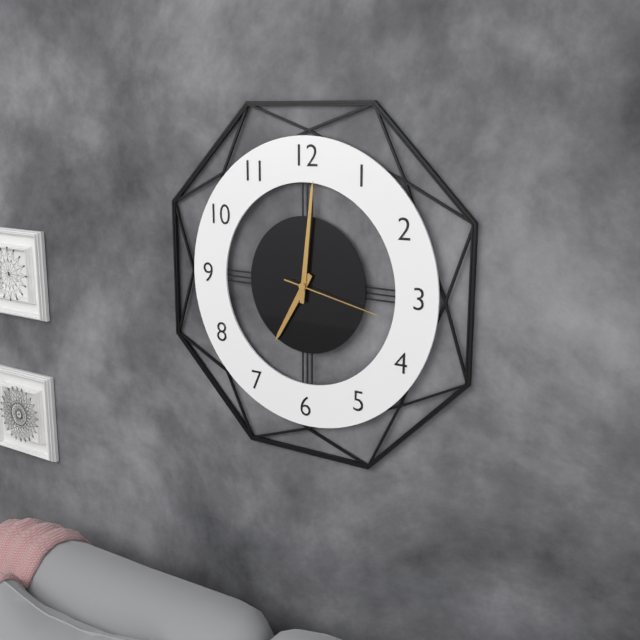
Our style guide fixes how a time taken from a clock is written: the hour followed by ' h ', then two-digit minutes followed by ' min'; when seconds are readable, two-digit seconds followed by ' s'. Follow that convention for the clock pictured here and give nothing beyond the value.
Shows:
7 h 01 min 17 s
